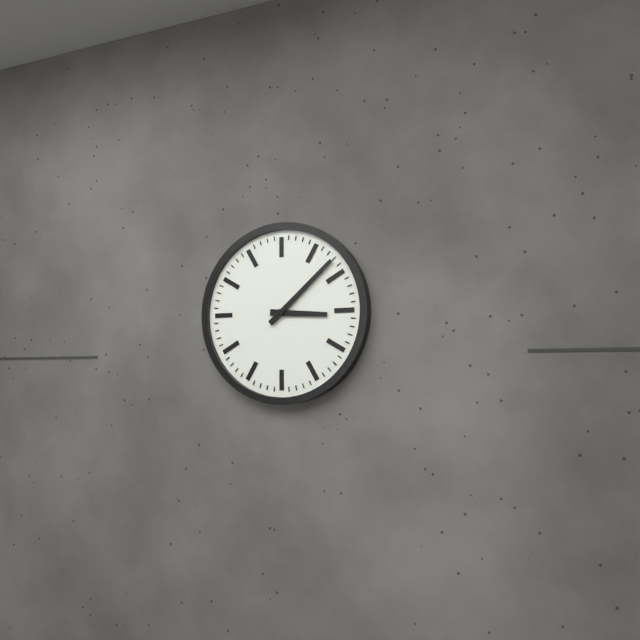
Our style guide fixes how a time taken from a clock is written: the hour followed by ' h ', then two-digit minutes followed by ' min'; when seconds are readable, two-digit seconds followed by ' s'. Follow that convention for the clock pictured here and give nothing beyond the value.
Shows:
3 h 08 min
